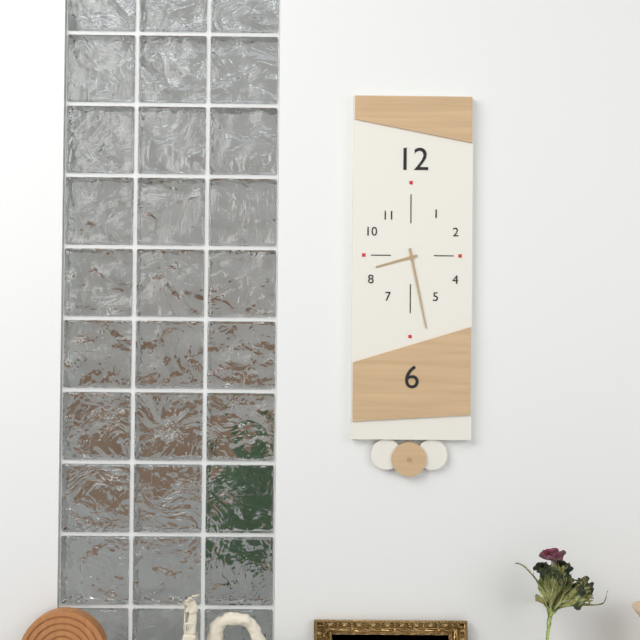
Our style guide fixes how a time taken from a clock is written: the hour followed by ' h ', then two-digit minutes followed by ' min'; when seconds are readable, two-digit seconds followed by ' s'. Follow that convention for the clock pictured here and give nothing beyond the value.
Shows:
8 h 28 min
